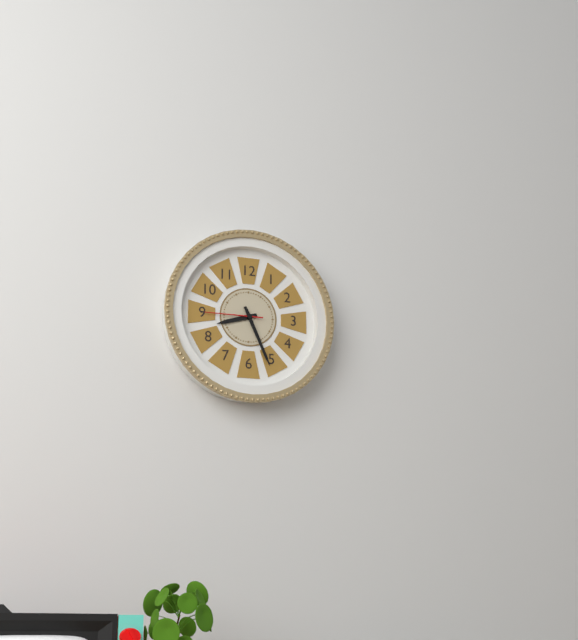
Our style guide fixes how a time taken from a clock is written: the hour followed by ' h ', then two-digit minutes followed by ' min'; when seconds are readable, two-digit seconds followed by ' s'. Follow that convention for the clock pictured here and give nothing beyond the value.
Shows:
8 h 26 min 45 s
